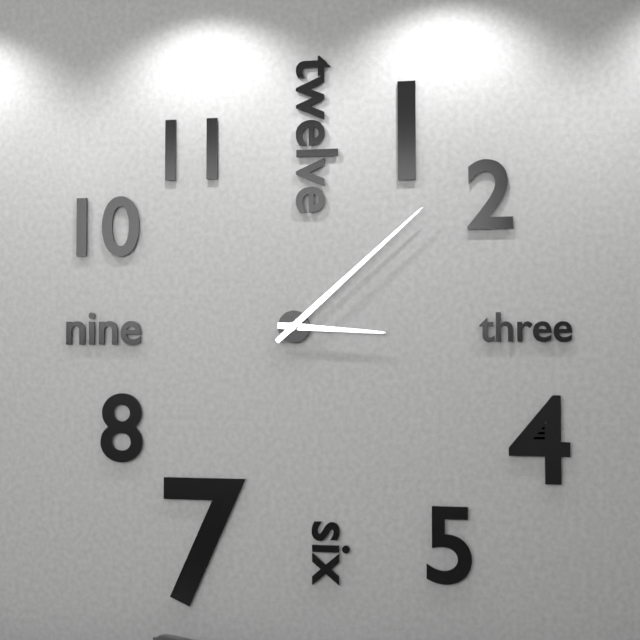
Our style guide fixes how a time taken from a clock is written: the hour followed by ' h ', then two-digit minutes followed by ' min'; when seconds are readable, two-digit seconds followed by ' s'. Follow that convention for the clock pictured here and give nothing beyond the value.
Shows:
3 h 08 min
